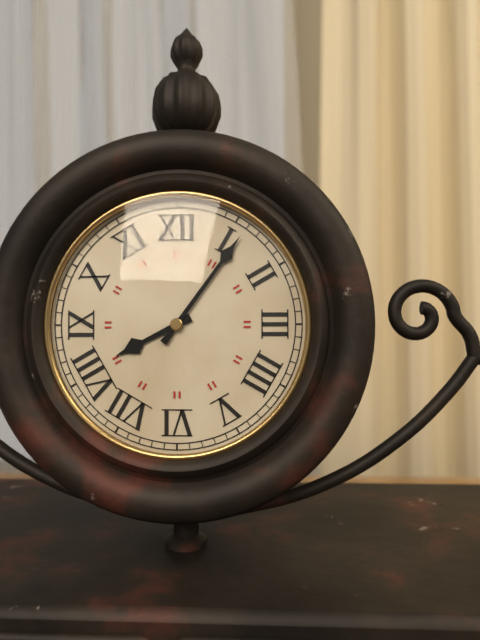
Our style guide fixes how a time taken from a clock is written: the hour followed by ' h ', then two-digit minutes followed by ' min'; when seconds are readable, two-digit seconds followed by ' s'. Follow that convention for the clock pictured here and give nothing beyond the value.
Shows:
8 h 06 min
